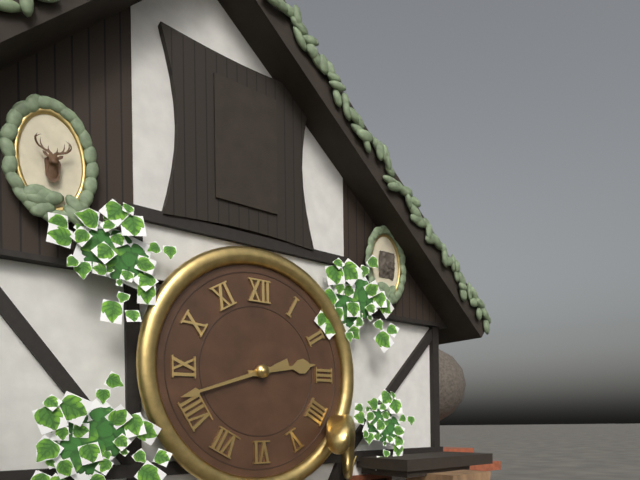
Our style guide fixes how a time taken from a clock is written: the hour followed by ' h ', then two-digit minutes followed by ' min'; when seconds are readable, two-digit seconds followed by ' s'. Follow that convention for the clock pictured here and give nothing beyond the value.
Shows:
2 h 42 min
